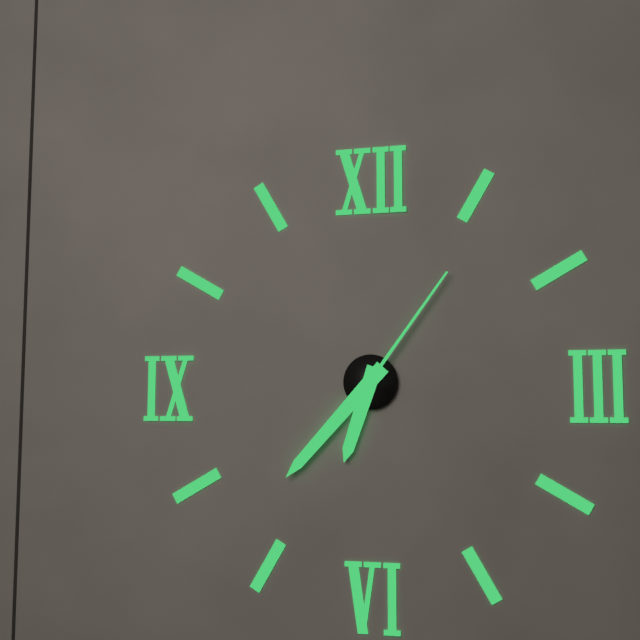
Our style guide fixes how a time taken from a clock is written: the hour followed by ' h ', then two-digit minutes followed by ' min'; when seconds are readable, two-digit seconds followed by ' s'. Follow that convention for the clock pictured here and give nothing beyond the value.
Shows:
6 h 37 min 06 s
